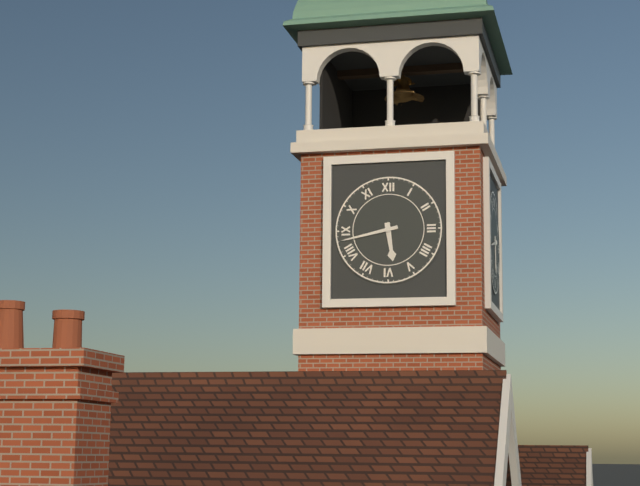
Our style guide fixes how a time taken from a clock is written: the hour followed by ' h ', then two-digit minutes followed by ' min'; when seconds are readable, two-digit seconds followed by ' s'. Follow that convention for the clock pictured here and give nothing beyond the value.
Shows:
5 h 43 min
